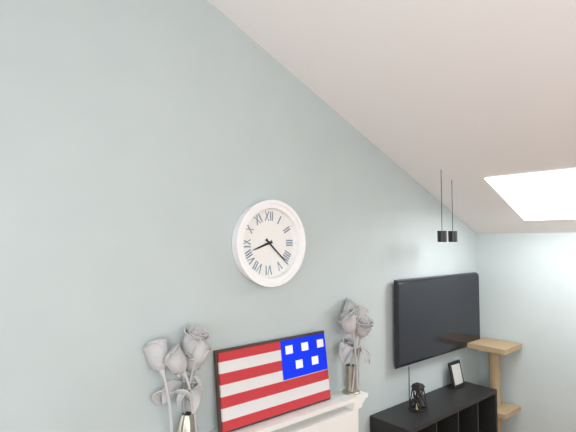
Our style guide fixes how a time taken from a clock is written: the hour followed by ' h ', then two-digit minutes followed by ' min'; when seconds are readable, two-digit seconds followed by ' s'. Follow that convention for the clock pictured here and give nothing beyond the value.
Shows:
8 h 22 min
